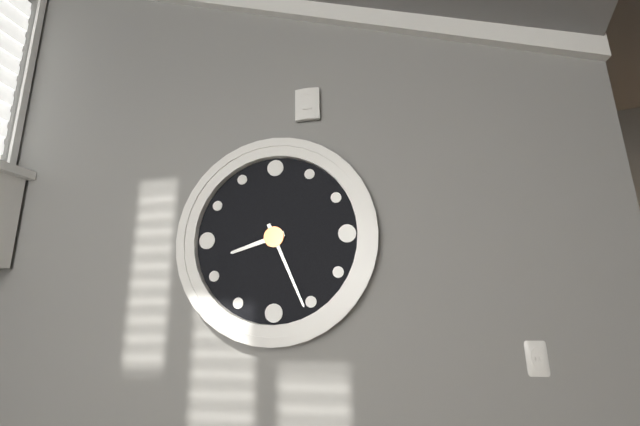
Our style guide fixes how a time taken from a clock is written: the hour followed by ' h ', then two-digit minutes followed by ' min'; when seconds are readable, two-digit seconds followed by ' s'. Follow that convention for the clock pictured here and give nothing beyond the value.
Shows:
8 h 26 min
